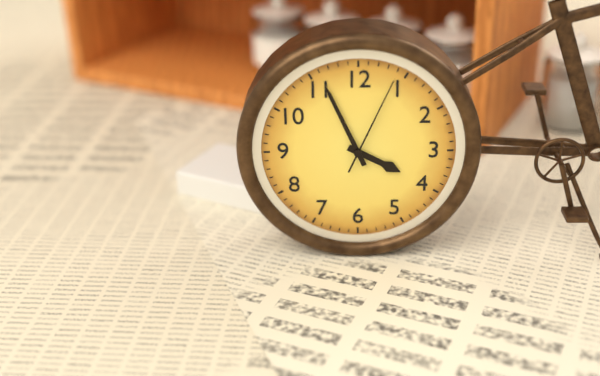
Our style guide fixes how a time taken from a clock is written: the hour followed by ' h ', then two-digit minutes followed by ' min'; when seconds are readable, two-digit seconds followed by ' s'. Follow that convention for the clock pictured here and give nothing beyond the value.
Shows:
3 h 56 min 04 s
